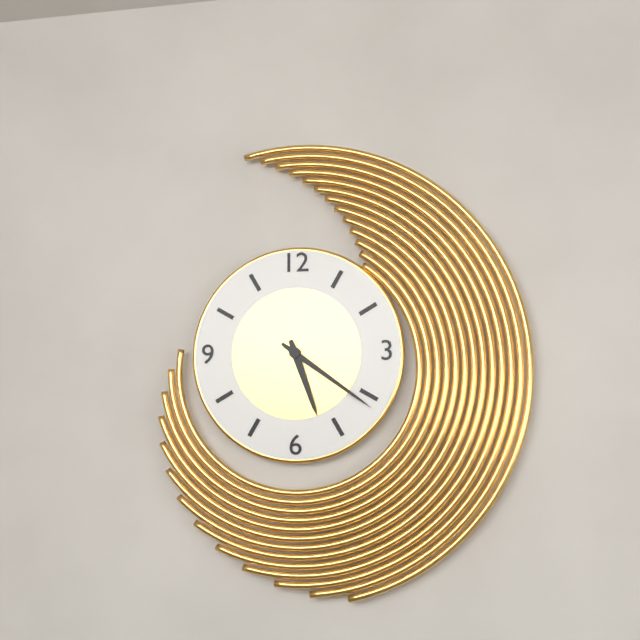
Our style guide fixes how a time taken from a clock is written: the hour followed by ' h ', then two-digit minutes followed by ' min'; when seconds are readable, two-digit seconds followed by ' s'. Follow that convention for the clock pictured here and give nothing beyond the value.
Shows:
5 h 21 min
